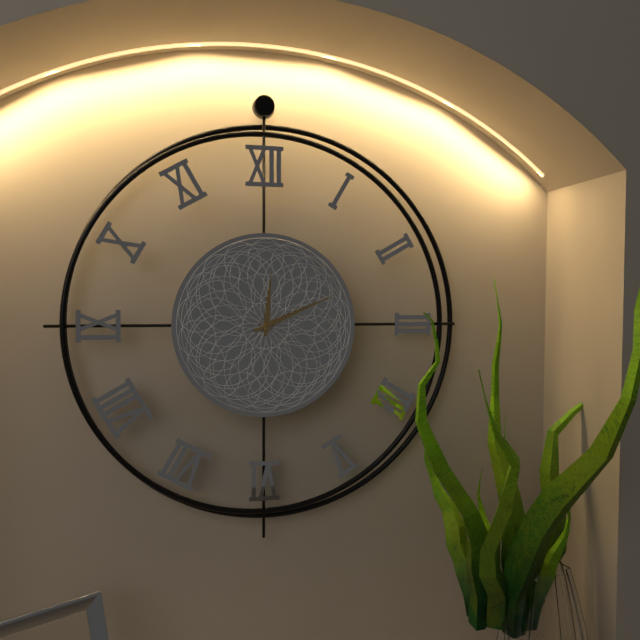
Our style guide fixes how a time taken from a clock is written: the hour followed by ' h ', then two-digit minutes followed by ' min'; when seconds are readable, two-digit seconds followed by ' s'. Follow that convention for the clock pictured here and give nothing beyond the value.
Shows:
12 h 11 min
